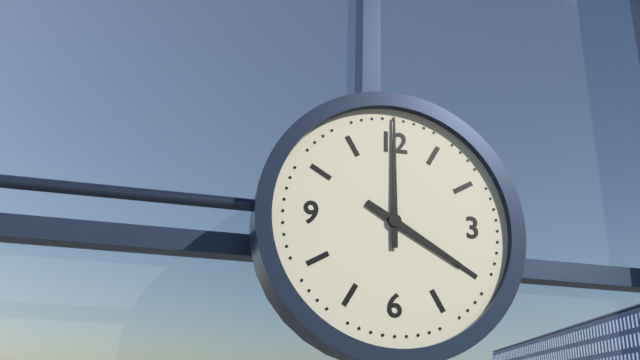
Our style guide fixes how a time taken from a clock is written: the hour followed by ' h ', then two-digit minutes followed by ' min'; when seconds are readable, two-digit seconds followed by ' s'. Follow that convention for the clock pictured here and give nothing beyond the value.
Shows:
4 h 00 min
